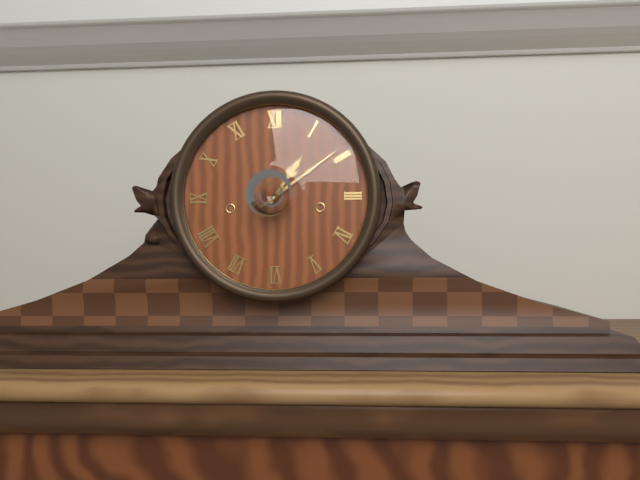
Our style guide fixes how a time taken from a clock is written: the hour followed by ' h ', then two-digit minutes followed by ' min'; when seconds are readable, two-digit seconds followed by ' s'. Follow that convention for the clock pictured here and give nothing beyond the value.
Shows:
1 h 09 min
